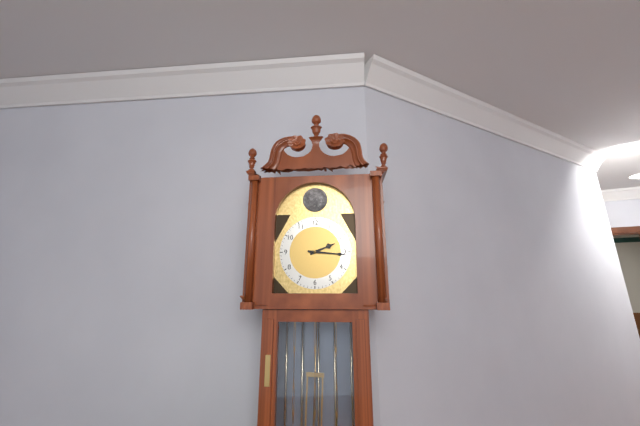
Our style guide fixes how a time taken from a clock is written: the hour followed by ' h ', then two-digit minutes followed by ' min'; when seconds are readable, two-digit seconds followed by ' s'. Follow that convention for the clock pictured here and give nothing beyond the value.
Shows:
2 h 16 min
